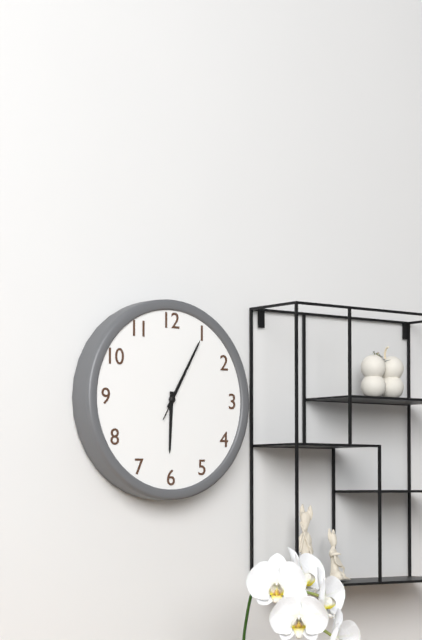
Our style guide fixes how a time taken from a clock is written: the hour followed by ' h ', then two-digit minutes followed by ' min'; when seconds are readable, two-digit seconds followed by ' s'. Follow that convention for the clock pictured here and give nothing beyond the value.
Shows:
6 h 05 min 05 s
